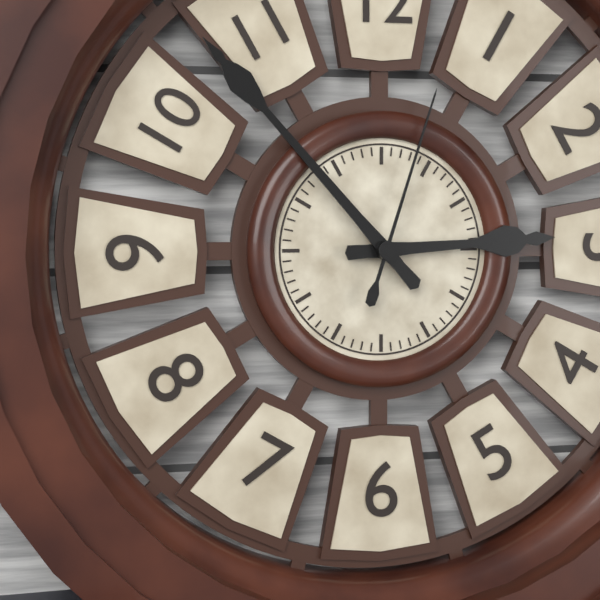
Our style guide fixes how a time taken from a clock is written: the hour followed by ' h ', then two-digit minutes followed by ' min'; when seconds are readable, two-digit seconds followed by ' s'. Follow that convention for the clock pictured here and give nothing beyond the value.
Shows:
2 h 53 min 03 s
